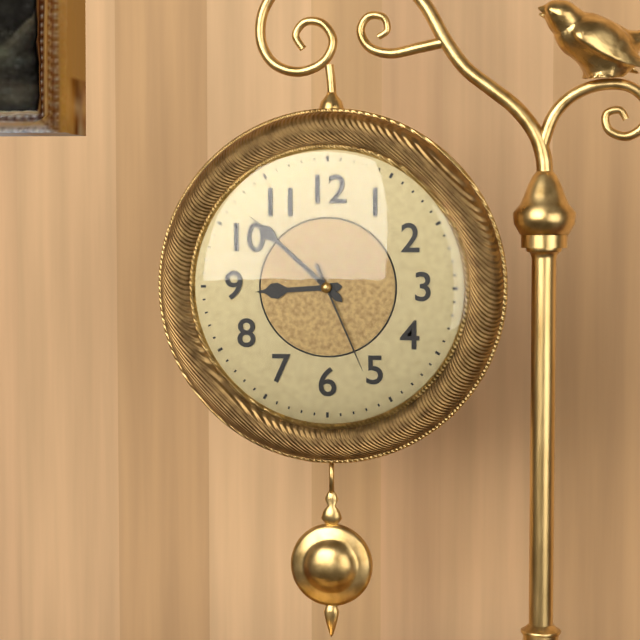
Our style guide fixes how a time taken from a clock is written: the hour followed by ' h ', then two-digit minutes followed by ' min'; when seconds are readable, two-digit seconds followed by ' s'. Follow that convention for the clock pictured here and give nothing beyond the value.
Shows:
8 h 52 min 26 s
